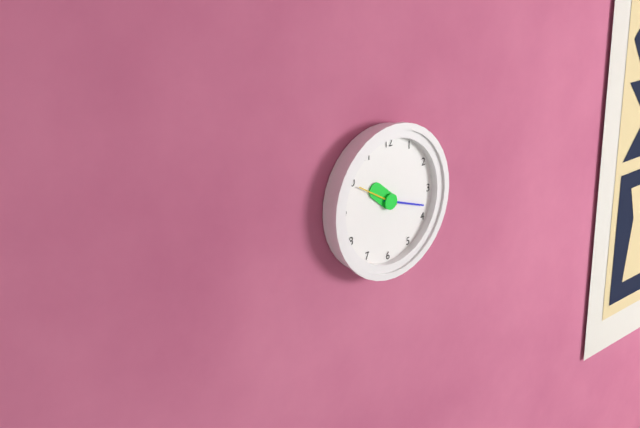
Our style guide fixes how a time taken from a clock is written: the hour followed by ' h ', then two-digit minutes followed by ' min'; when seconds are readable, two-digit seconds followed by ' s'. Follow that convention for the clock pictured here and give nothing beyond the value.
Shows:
10 h 18 min
